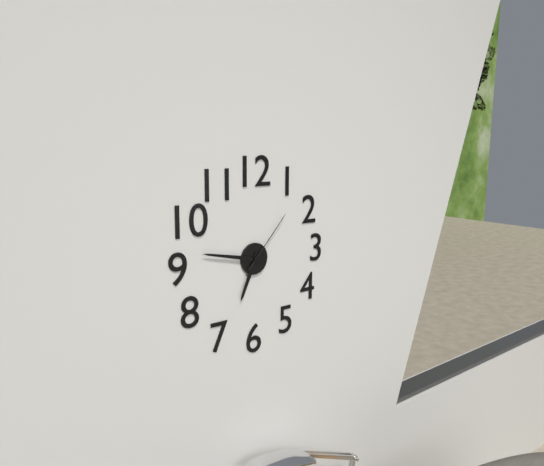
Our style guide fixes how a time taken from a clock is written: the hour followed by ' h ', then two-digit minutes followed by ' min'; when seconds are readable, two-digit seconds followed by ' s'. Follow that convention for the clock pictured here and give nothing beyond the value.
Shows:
6 h 47 min 07 s
